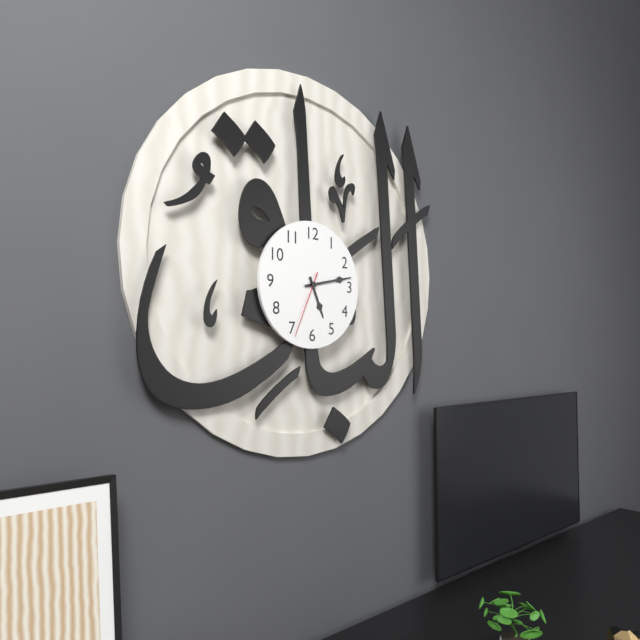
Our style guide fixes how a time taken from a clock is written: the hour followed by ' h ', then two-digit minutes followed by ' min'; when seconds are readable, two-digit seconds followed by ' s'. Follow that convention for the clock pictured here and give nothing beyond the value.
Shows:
5 h 13 min 34 s
